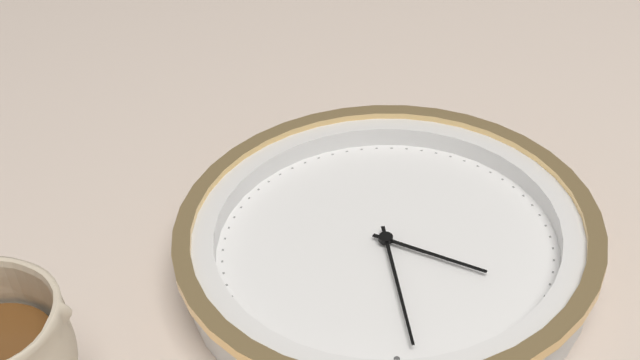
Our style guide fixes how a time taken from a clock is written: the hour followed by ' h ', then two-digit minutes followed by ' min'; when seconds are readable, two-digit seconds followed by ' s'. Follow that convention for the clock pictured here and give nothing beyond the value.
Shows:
9 h 59 min
